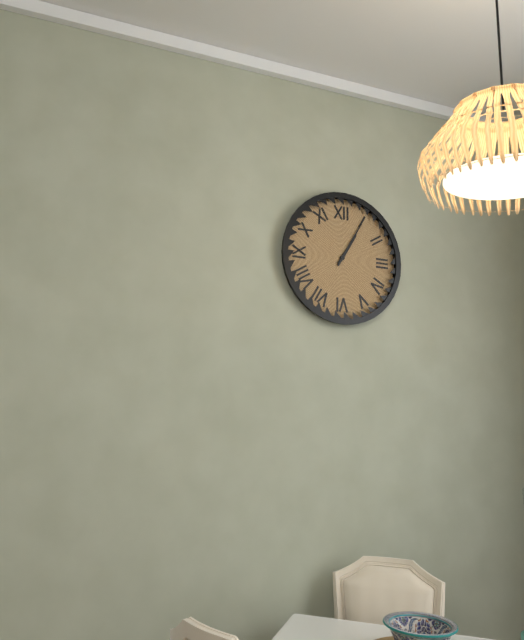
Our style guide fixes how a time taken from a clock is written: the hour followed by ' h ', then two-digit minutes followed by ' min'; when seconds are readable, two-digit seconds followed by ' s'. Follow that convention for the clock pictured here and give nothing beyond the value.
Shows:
1 h 05 min
